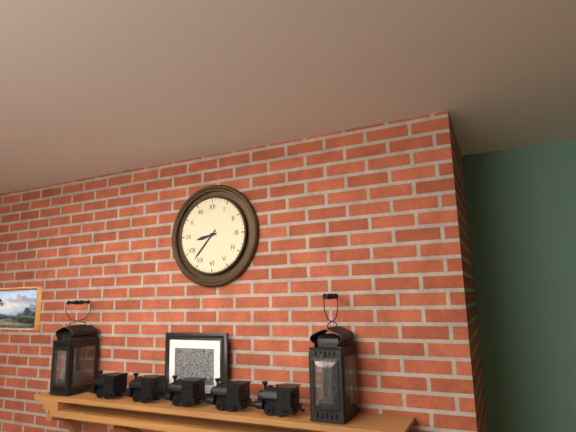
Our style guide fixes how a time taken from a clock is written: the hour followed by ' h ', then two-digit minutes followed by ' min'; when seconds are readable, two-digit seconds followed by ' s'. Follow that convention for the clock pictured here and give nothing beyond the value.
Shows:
8 h 37 min
